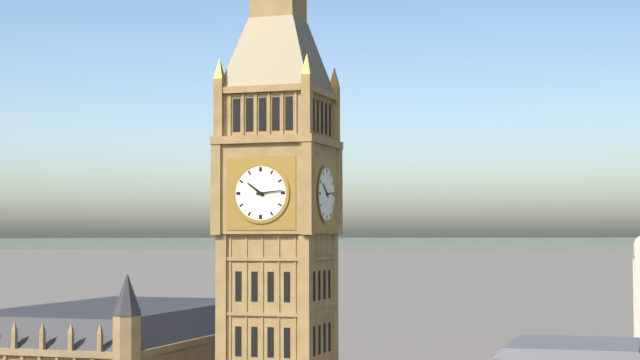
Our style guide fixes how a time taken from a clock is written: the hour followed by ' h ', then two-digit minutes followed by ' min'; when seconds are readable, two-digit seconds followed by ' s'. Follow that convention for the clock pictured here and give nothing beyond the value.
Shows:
10 h 14 min
